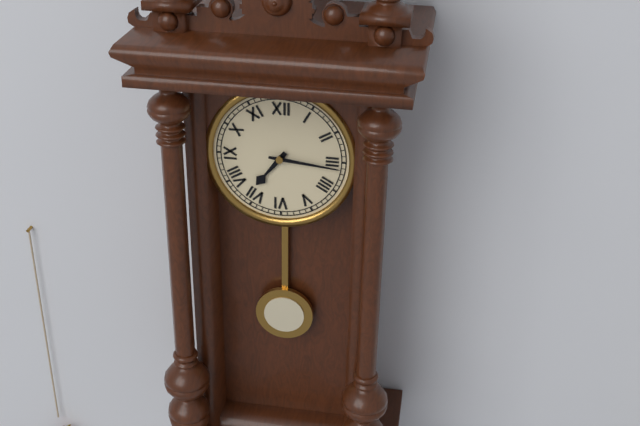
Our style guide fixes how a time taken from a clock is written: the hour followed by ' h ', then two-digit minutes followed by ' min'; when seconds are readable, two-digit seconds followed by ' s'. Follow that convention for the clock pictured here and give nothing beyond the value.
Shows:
7 h 16 min
